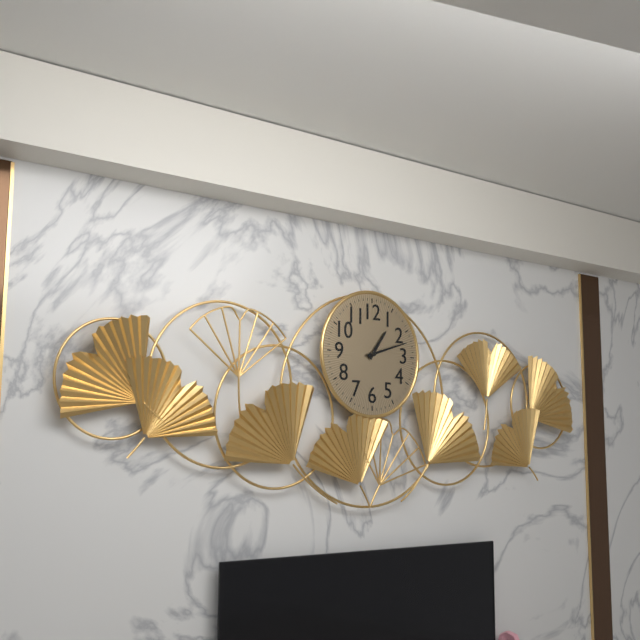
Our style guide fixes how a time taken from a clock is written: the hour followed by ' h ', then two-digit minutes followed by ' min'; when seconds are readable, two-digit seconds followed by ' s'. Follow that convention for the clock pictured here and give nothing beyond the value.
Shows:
1 h 12 min
